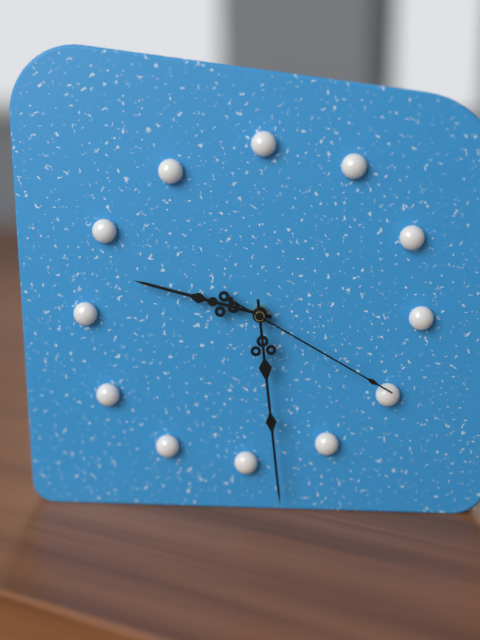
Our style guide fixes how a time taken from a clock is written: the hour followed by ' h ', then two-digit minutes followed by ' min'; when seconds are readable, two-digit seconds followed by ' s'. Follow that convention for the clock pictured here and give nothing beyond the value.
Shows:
9 h 29 min 20 s
